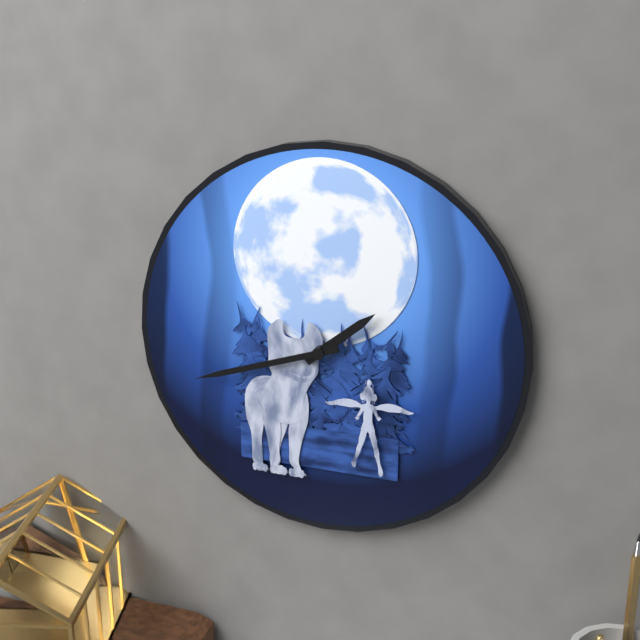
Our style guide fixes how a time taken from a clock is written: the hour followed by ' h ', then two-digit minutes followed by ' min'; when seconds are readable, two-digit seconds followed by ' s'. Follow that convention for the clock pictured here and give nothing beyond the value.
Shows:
1 h 42 min
